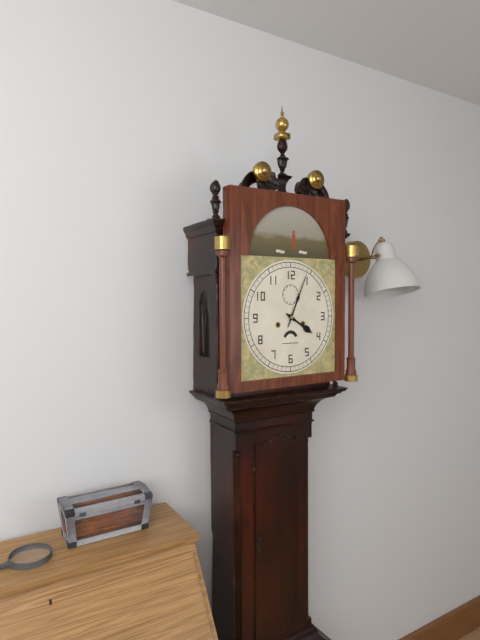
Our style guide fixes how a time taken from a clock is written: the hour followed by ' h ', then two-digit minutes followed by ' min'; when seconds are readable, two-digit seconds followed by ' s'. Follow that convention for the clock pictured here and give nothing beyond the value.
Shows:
4 h 04 min
